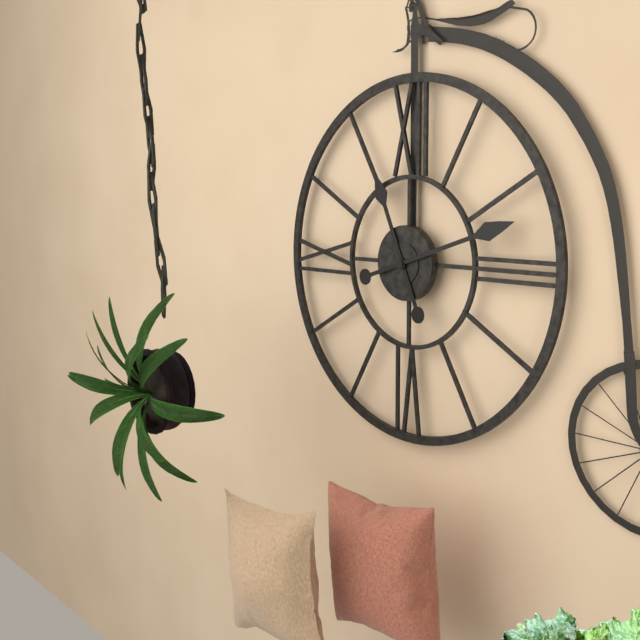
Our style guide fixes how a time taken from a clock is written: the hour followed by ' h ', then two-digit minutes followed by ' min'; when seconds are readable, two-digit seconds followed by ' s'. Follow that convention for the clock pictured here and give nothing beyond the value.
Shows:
11 h 12 min
